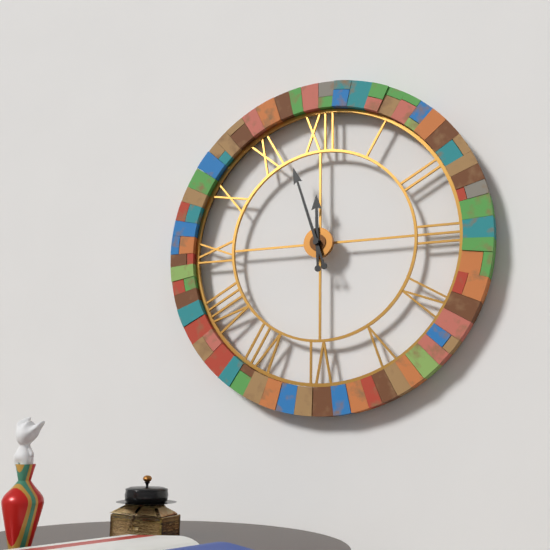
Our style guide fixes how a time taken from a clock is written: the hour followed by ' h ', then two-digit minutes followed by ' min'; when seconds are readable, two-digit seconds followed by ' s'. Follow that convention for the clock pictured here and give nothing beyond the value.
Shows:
11 h 57 min
